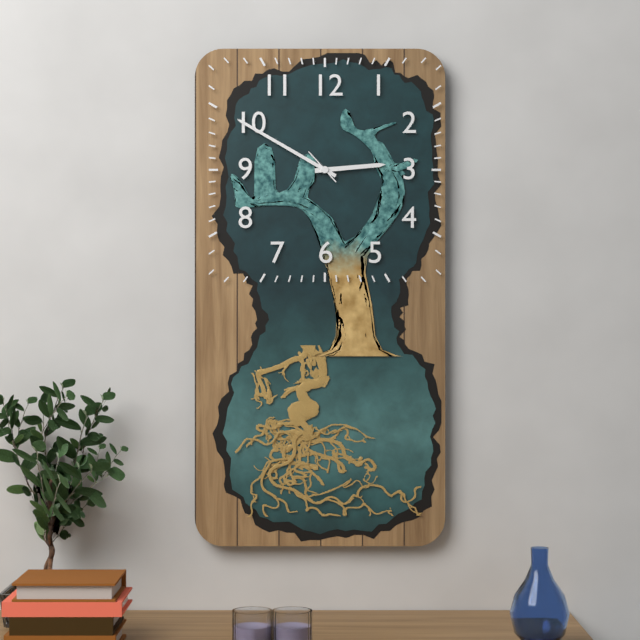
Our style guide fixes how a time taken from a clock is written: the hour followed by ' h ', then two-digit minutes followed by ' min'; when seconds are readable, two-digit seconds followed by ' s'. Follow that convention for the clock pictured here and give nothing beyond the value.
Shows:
2 h 50 min
